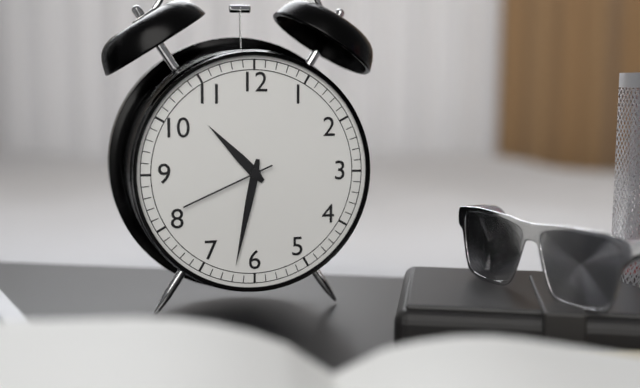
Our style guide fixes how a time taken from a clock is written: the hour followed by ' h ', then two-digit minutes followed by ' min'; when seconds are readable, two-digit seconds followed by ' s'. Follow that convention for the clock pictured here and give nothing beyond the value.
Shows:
10 h 32 min 41 s
